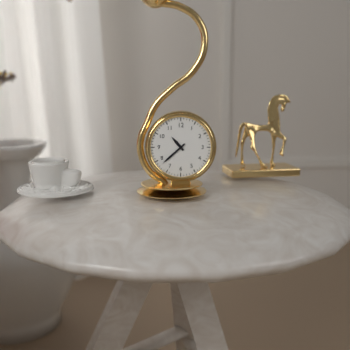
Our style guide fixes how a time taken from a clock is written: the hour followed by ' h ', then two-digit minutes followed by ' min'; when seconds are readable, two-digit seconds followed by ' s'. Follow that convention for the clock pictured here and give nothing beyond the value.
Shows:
10 h 38 min
